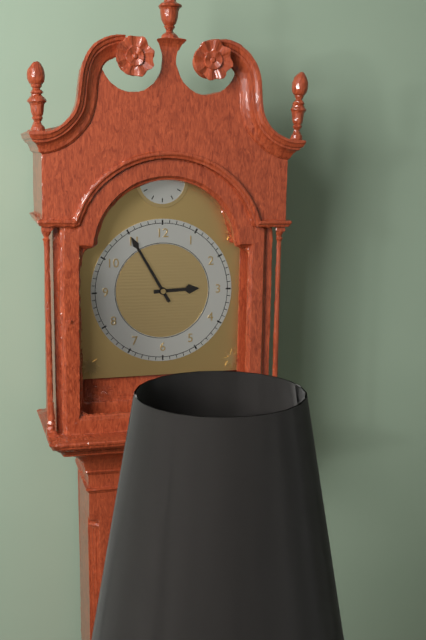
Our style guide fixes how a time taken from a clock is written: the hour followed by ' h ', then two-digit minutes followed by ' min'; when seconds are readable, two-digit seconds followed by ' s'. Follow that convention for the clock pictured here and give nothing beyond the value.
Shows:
2 h 55 min
